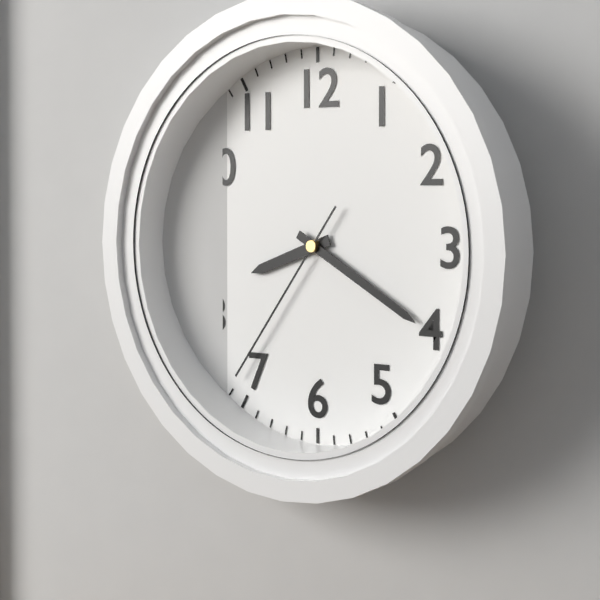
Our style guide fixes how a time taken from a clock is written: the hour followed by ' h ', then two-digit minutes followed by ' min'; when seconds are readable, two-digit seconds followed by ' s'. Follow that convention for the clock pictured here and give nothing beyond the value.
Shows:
8 h 20 min 36 s
